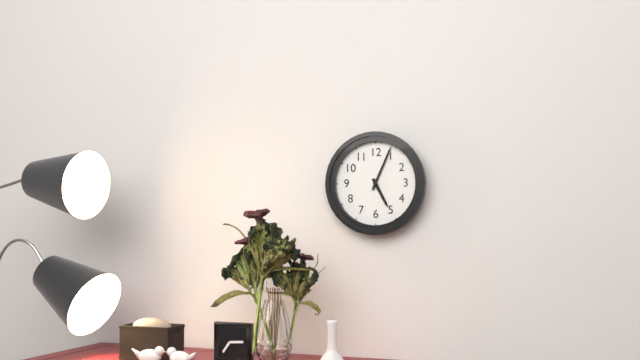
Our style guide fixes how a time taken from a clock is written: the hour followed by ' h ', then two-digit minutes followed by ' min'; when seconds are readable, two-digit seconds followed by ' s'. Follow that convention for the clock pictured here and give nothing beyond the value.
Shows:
5 h 04 min
